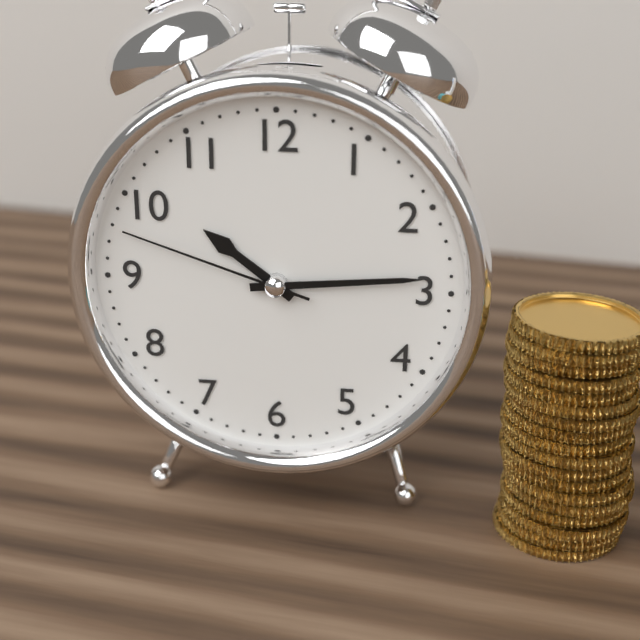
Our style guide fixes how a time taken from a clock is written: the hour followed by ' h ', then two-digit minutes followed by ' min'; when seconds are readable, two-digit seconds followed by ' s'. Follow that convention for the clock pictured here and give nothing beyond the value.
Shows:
10 h 14 min 48 s
